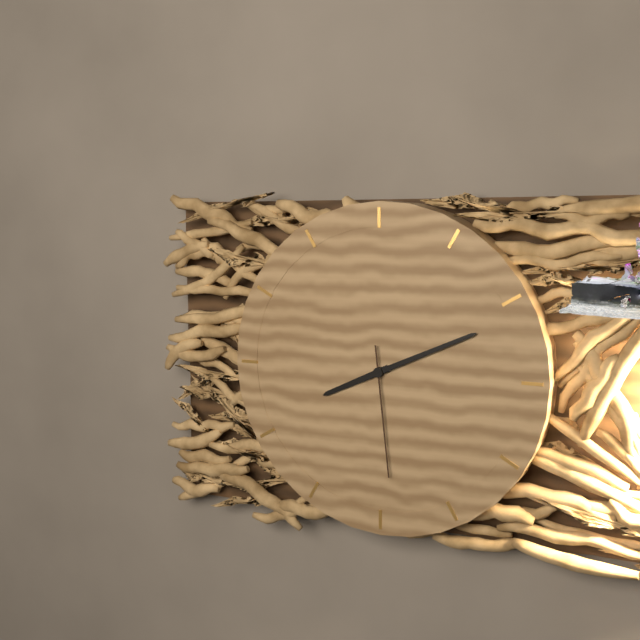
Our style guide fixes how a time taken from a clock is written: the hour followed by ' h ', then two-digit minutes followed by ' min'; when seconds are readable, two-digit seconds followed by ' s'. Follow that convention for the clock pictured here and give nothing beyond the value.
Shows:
8 h 11 min 29 s
